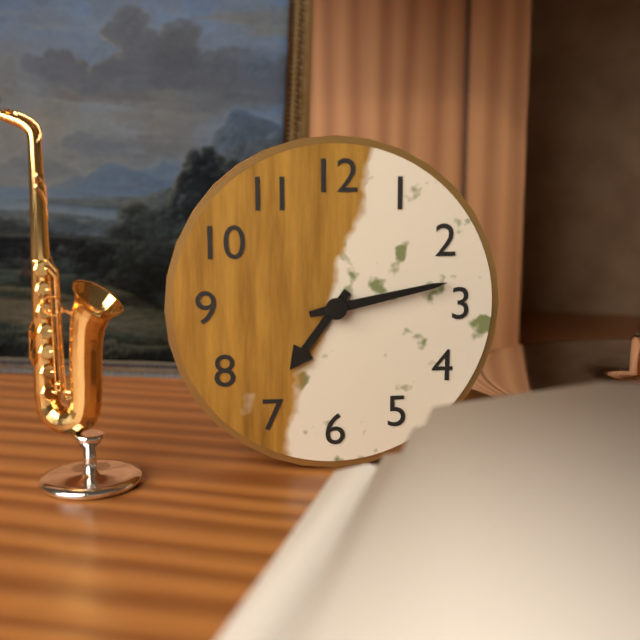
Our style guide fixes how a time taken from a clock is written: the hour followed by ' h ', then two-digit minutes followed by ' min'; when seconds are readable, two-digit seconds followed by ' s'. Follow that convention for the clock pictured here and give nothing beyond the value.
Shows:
7 h 13 min
